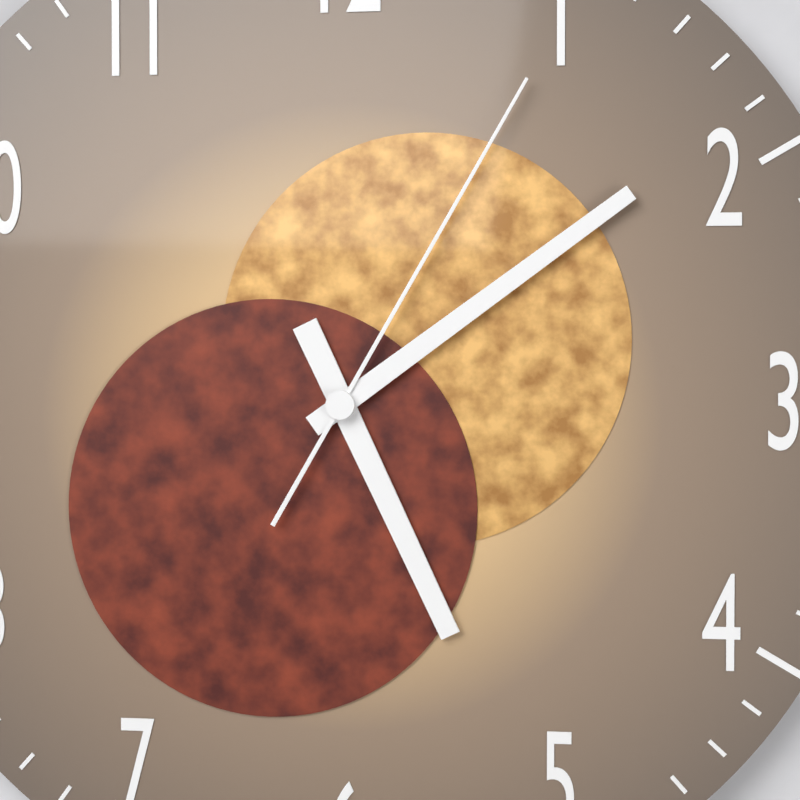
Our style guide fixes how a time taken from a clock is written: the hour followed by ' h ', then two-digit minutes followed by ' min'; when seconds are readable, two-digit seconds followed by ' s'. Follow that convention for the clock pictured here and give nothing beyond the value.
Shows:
5 h 09 min 05 s
